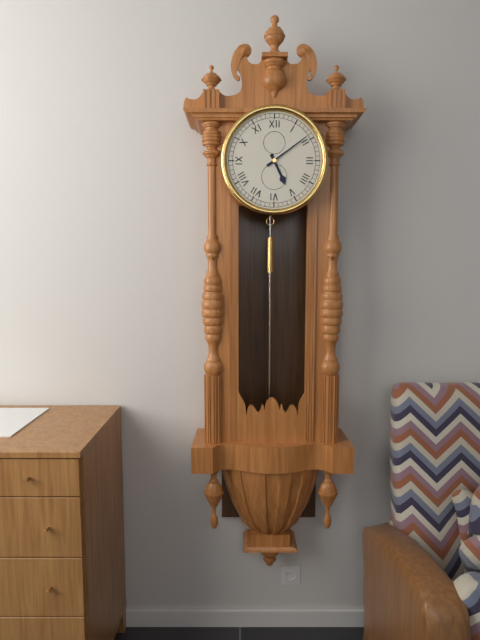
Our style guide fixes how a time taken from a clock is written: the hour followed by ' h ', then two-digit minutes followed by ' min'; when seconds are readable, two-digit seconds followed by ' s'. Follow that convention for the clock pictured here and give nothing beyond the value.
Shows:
5 h 09 min
